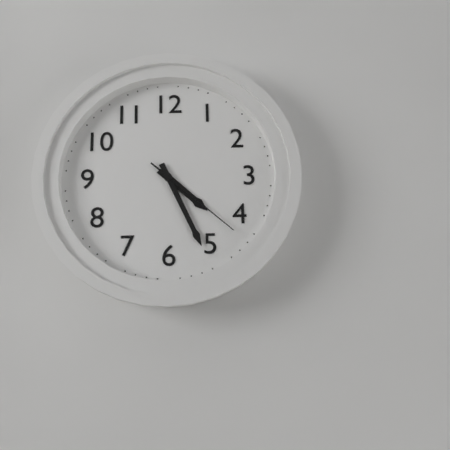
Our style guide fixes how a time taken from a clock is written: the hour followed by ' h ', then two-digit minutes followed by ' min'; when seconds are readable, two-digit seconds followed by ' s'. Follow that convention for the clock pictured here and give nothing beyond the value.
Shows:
4 h 26 min 22 s
